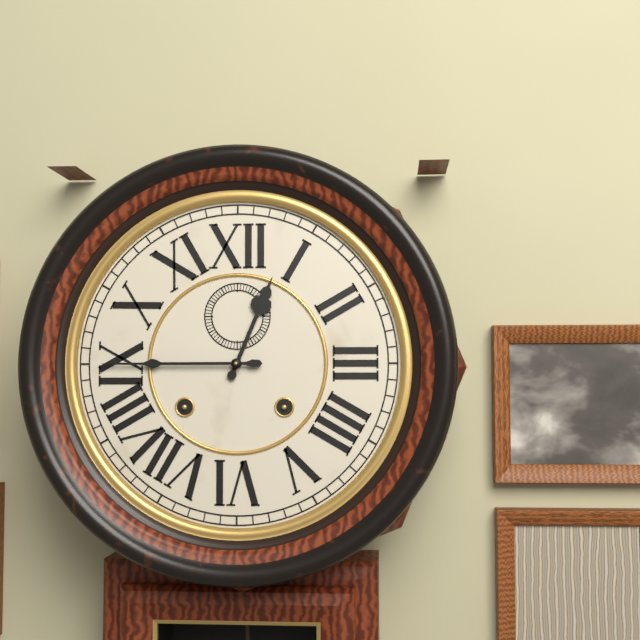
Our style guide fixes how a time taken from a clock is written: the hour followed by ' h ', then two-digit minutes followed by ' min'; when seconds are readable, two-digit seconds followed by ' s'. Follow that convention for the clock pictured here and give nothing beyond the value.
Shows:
12 h 45 min
